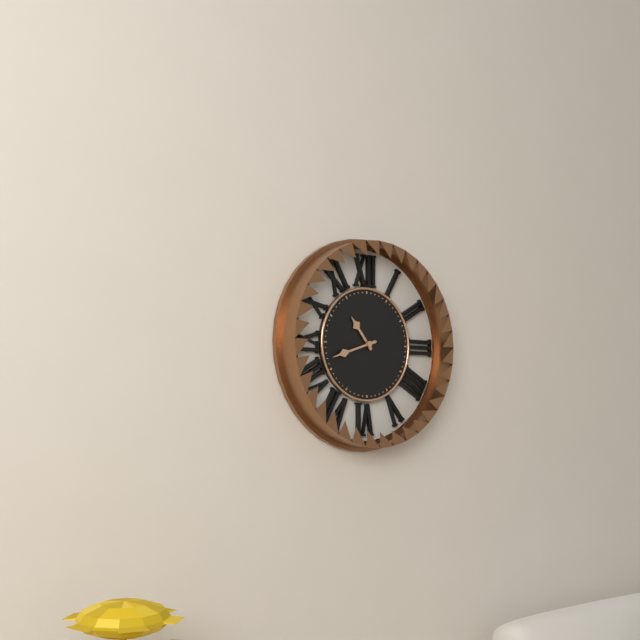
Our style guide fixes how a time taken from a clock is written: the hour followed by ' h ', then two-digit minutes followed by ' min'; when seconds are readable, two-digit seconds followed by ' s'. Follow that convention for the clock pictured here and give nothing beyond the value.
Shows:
10 h 42 min
